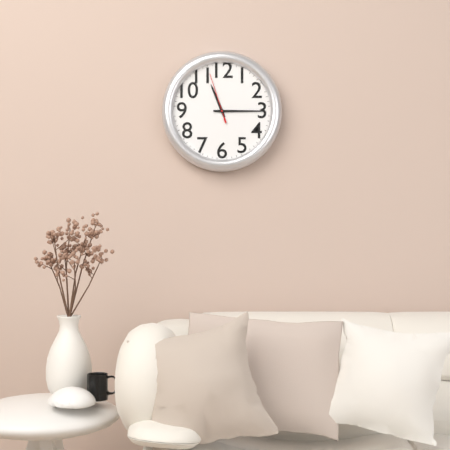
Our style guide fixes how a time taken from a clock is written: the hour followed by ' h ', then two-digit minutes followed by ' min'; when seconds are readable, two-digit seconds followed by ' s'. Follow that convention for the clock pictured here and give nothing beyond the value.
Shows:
11 h 15 min 57 s
